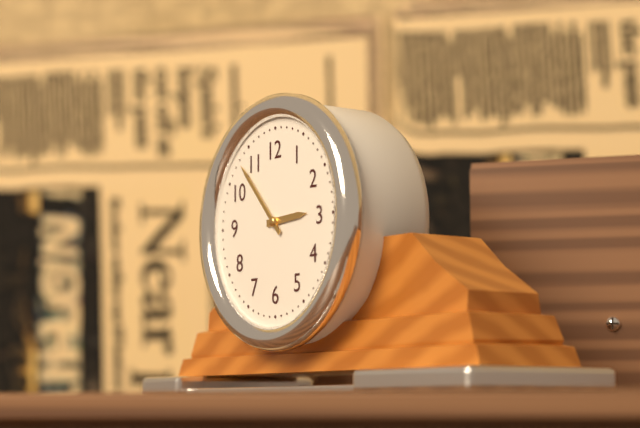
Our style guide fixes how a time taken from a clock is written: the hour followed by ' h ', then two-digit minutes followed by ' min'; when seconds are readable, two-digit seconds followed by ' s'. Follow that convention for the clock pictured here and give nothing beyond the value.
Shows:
2 h 53 min
